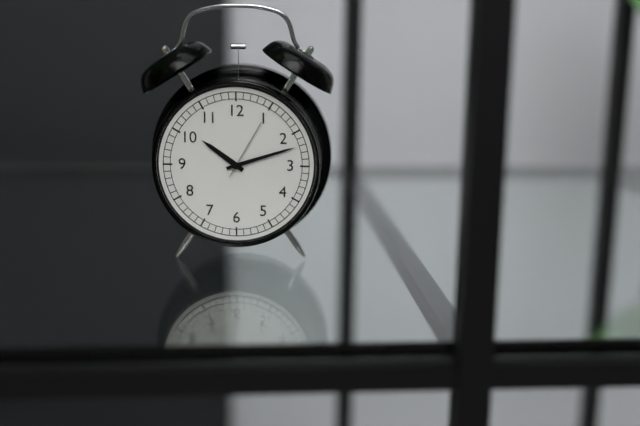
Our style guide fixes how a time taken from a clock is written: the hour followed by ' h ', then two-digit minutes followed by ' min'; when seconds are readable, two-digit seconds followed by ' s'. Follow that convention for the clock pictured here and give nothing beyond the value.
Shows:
10 h 12 min 05 s
